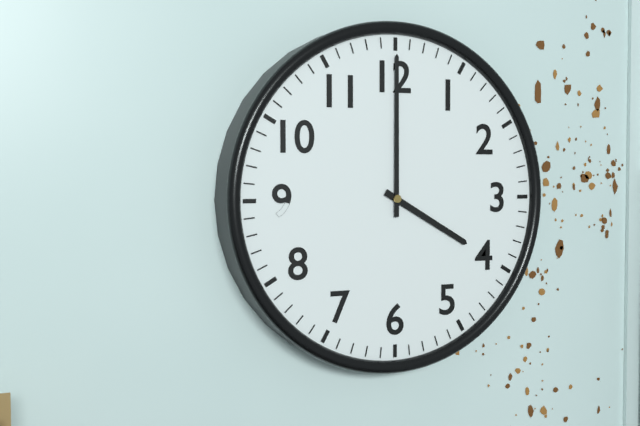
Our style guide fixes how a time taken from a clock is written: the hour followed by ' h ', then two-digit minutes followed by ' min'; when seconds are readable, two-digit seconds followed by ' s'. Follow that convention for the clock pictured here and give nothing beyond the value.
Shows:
4 h 00 min
